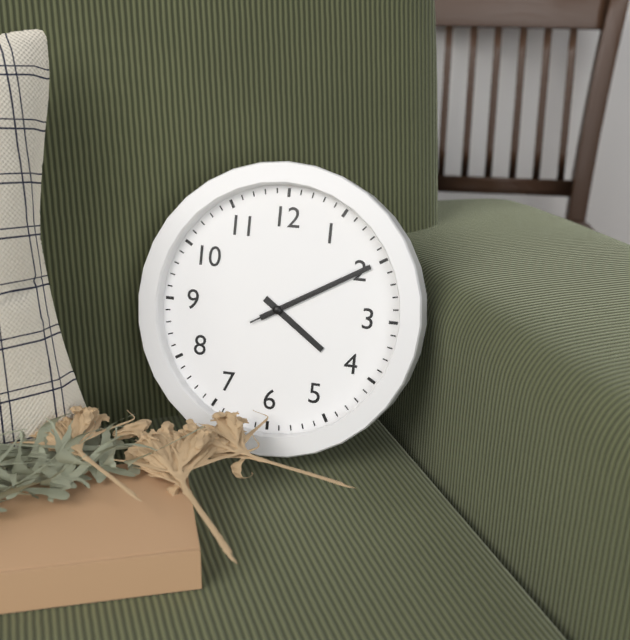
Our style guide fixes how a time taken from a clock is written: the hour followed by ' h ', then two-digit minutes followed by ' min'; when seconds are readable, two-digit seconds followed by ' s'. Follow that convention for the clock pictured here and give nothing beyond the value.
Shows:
4 h 10 min 10 s
